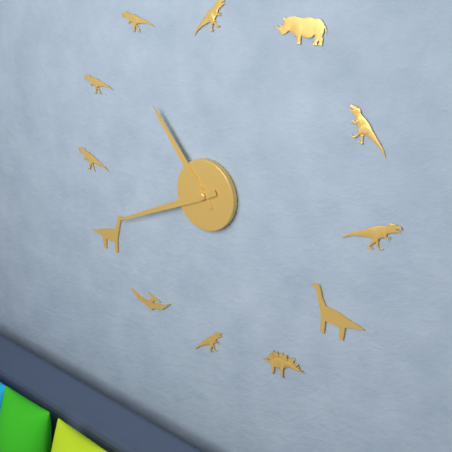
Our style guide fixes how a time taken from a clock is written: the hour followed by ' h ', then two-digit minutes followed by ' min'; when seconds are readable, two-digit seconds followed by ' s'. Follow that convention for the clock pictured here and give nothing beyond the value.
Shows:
10 h 41 min
